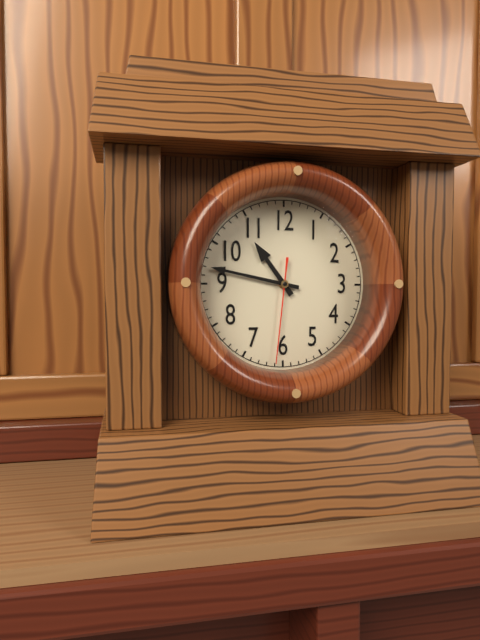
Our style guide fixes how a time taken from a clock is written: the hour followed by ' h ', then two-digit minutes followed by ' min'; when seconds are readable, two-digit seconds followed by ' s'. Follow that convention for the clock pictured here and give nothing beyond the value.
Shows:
10 h 47 min 31 s
